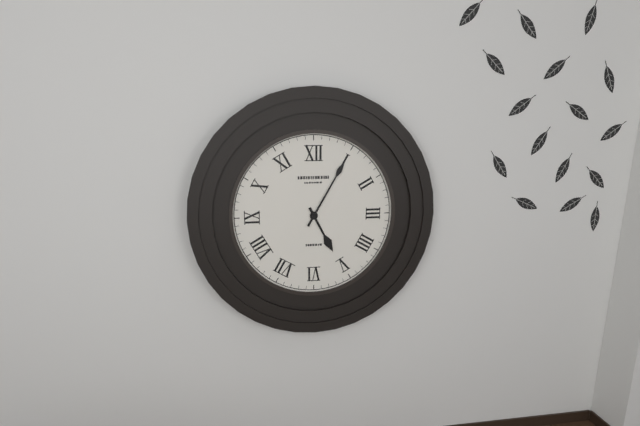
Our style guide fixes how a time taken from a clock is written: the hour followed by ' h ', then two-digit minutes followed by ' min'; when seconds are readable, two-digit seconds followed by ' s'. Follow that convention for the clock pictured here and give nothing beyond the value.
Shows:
5 h 05 min
